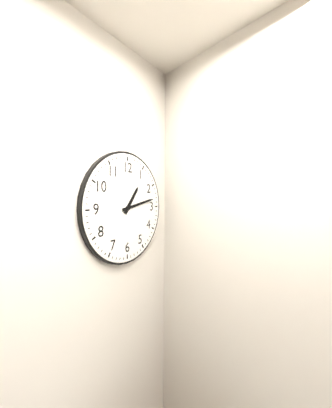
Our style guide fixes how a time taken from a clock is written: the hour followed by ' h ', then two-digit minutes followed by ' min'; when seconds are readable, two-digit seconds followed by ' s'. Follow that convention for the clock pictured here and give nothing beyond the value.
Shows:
1 h 13 min
